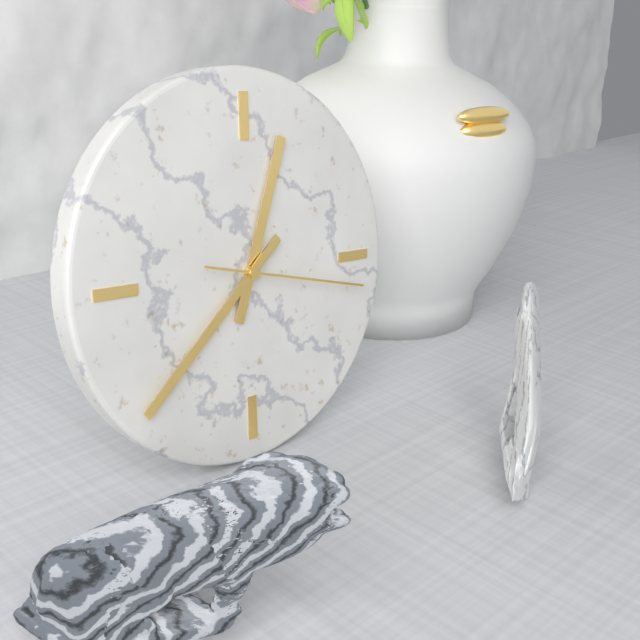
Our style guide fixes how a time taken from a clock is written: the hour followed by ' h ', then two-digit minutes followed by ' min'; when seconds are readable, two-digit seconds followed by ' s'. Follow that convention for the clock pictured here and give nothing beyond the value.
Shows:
12 h 38 min 17 s
